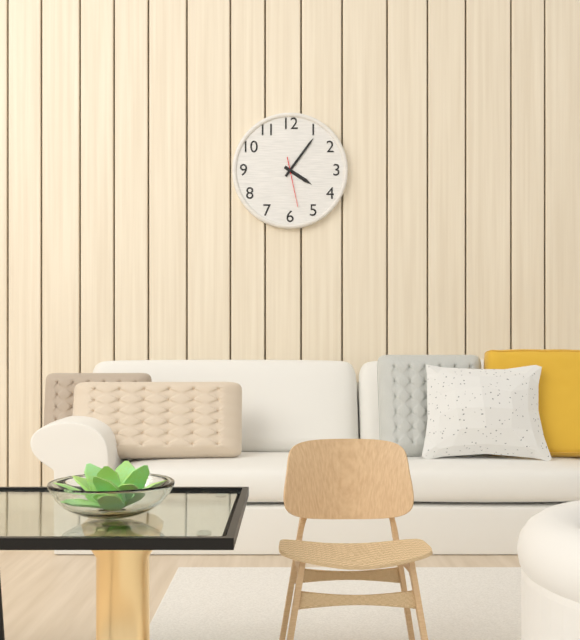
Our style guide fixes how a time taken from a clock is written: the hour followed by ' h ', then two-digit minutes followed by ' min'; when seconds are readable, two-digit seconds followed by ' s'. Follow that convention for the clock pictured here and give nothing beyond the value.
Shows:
4 h 06 min
